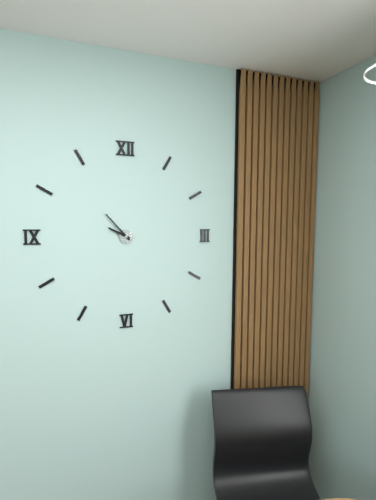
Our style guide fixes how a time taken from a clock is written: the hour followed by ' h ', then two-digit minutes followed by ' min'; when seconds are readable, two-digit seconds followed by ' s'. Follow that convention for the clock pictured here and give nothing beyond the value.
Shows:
9 h 53 min
